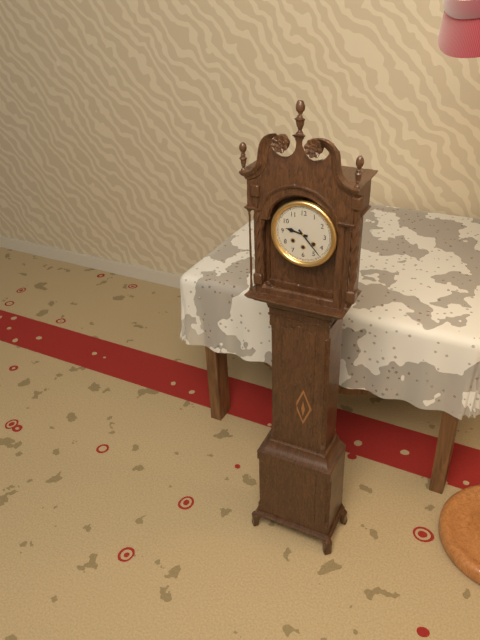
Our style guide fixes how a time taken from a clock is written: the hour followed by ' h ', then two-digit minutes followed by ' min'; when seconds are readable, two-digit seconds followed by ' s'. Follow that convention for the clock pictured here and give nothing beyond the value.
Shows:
9 h 23 min
